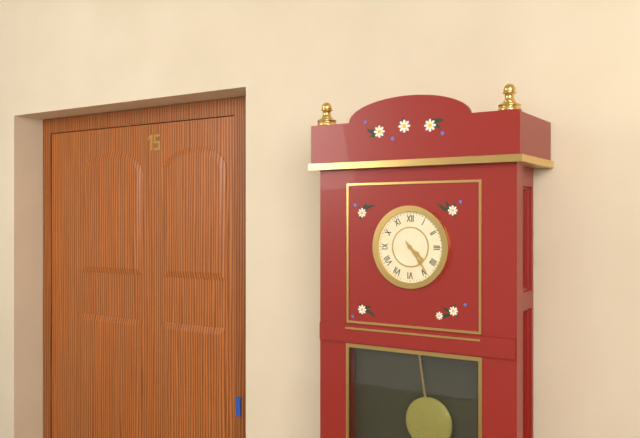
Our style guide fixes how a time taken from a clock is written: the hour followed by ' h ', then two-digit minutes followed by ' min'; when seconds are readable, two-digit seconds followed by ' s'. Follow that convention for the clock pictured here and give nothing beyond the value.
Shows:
4 h 24 min
